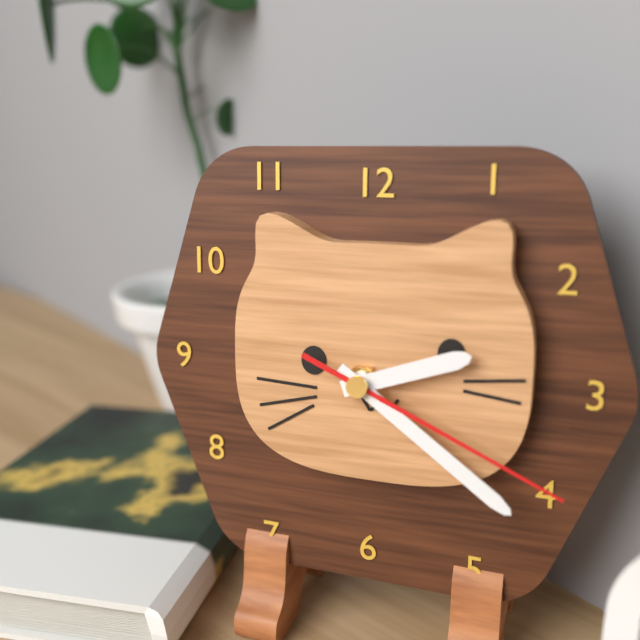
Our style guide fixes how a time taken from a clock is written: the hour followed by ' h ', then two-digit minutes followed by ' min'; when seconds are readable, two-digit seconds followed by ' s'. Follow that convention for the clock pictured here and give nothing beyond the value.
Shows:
2 h 21 min 19 s
